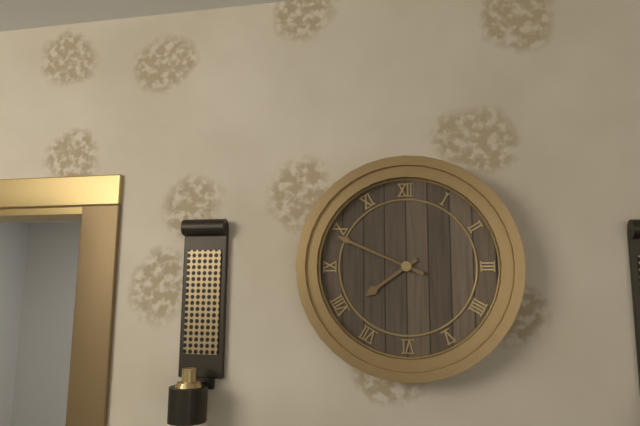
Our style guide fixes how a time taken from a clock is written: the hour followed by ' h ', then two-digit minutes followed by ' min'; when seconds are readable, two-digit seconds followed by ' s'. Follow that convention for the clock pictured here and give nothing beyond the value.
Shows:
7 h 49 min
